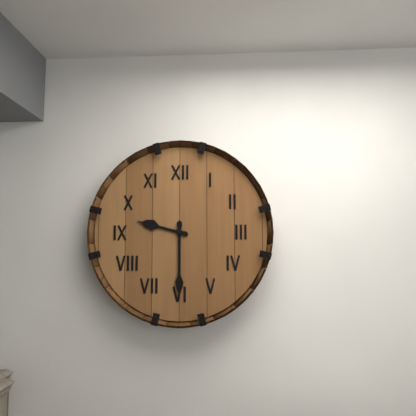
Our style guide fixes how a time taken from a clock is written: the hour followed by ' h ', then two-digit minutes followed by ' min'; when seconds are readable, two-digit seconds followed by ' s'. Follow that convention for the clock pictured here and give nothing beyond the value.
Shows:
9 h 30 min
